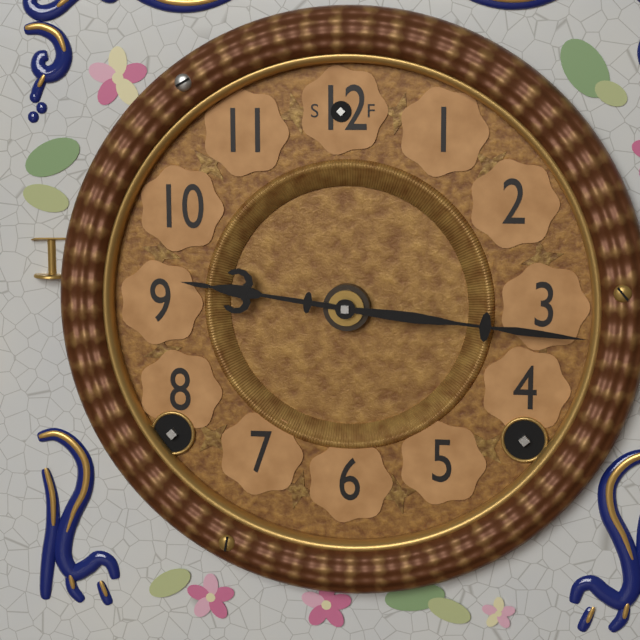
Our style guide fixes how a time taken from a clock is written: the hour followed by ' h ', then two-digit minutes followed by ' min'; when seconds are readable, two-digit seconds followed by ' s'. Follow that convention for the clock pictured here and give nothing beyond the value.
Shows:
9 h 16 min
